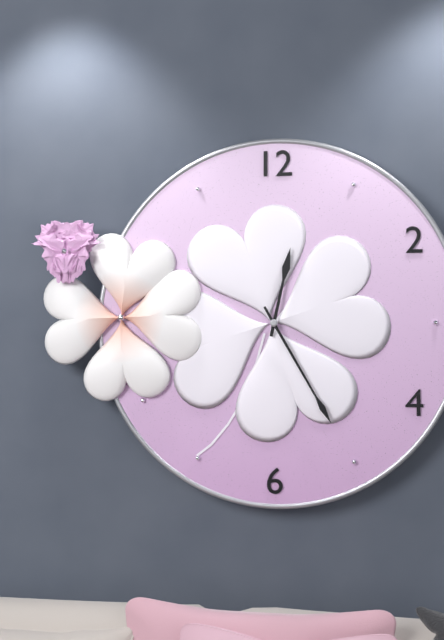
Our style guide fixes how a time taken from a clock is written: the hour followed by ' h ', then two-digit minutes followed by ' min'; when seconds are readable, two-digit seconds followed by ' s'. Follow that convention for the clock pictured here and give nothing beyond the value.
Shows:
12 h 25 min
